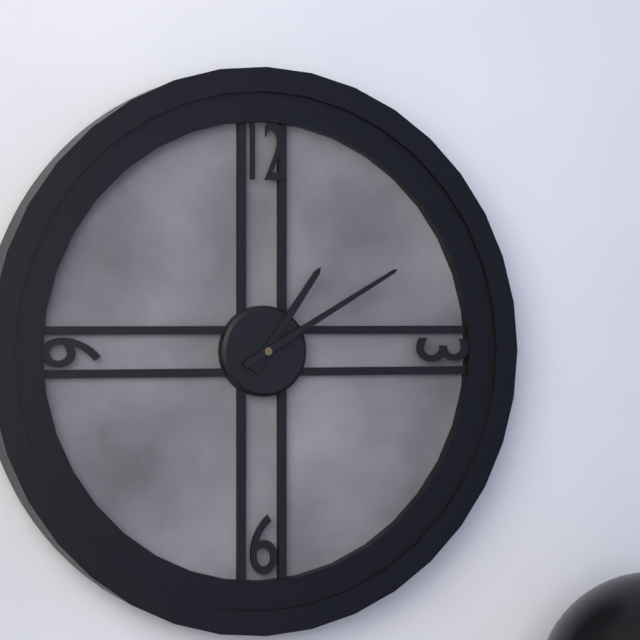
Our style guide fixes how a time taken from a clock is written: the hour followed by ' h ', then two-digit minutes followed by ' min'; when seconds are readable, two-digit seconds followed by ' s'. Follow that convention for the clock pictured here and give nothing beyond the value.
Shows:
1 h 10 min
